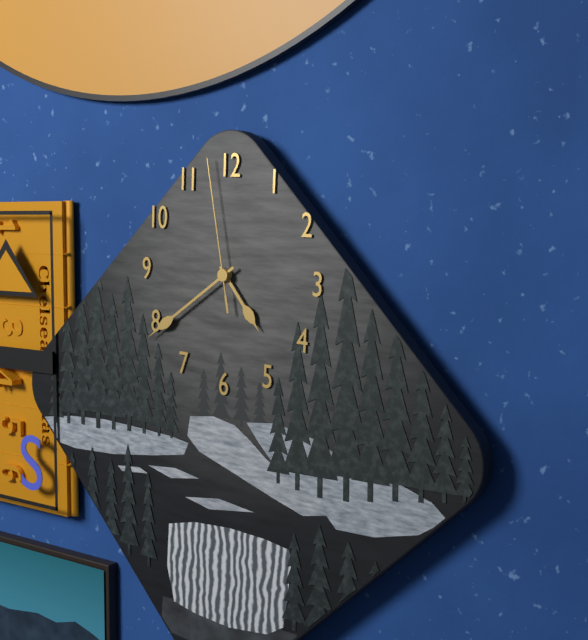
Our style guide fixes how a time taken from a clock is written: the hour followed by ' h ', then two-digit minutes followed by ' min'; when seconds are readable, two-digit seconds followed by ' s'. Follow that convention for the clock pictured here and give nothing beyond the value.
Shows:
4 h 39 min 58 s
